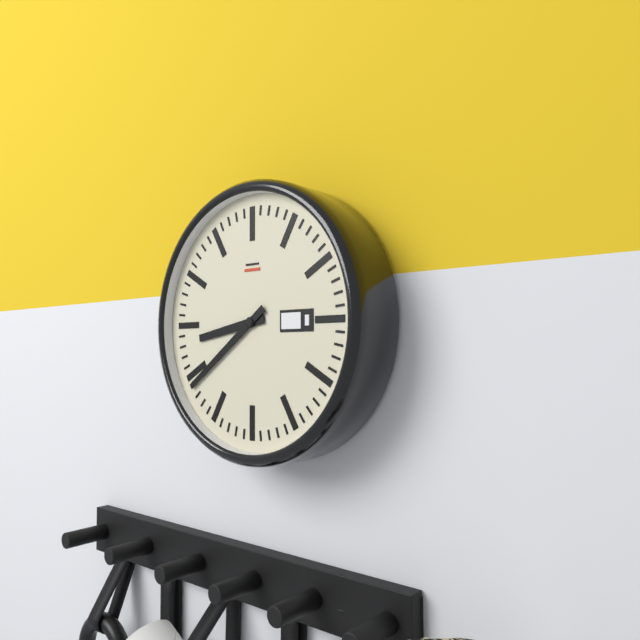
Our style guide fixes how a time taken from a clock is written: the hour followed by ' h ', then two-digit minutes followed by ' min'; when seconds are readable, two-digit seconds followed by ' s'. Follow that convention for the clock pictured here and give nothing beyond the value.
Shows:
8 h 39 min
